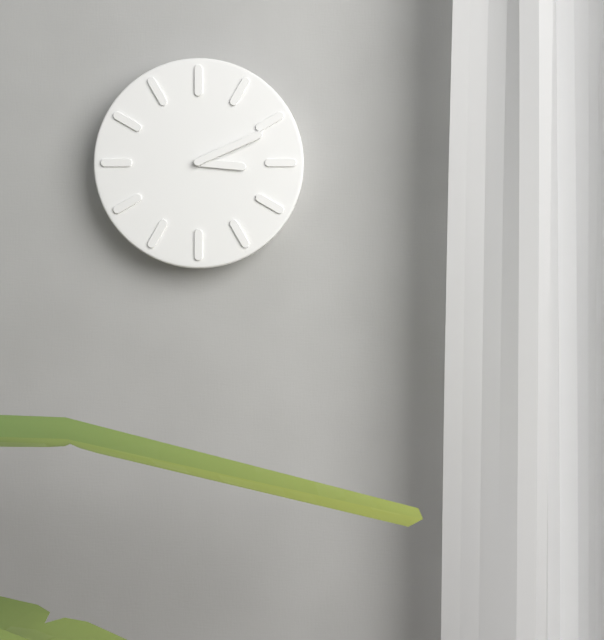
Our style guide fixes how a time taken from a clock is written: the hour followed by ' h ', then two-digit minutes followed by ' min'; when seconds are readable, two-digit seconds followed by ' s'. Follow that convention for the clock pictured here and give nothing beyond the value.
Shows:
3 h 11 min
